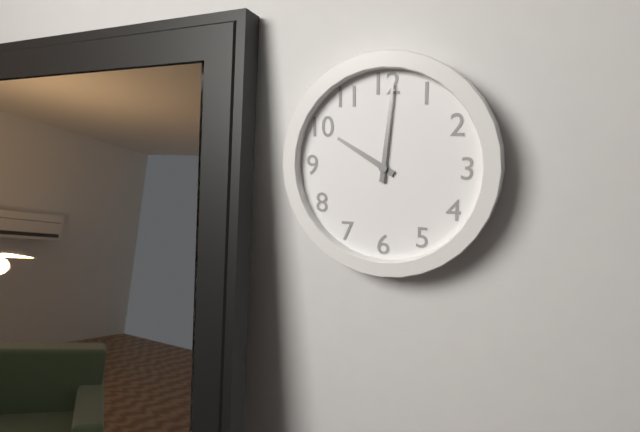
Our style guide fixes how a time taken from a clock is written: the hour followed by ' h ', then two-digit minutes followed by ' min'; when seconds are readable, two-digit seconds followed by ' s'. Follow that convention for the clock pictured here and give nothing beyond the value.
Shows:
10 h 01 min
